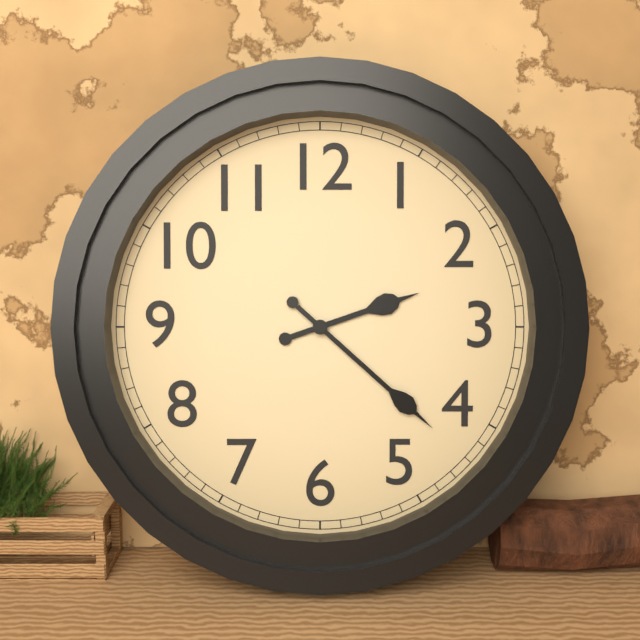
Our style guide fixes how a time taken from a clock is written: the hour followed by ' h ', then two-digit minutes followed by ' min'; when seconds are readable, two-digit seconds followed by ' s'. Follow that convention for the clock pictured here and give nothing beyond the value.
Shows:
2 h 22 min
